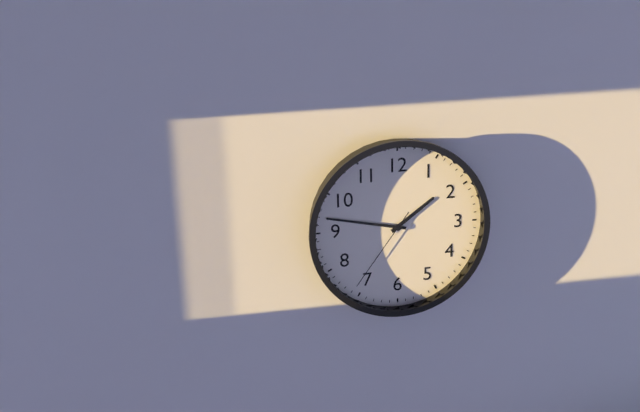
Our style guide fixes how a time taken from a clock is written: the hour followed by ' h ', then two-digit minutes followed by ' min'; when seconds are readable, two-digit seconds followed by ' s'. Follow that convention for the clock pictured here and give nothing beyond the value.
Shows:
1 h 47 min 36 s
